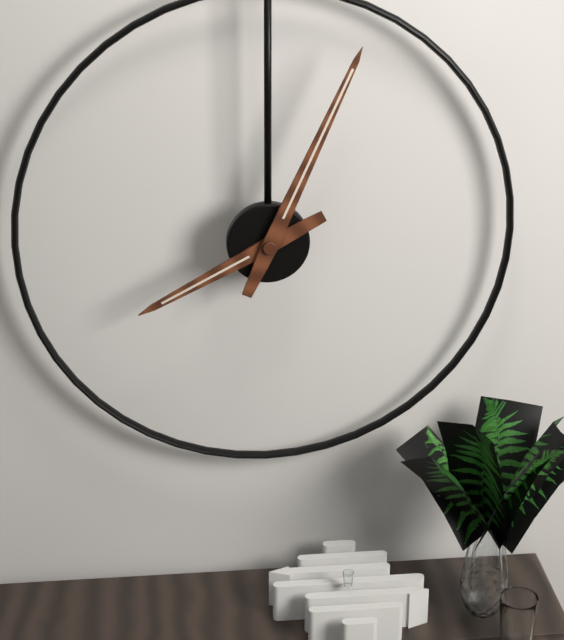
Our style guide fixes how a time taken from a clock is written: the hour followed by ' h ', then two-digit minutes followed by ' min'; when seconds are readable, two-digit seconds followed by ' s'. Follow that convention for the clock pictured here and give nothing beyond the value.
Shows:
8 h 04 min
